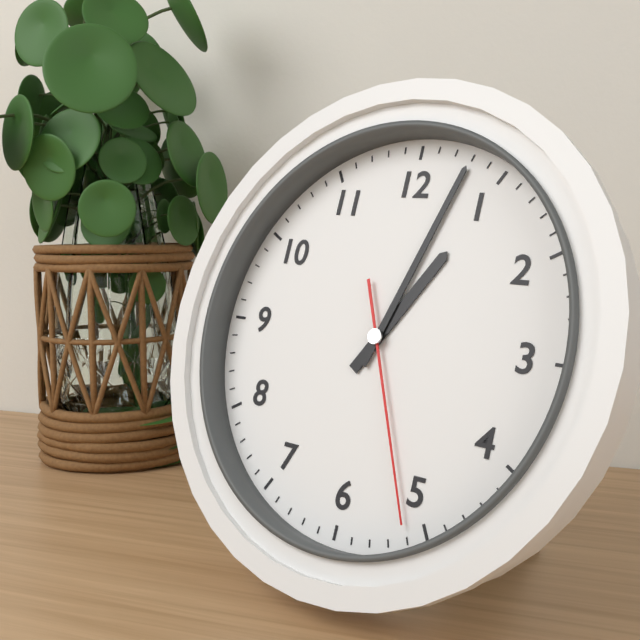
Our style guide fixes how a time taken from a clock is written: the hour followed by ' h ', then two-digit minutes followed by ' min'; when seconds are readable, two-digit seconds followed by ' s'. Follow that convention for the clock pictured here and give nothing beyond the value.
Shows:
1 h 03 min 26 s
